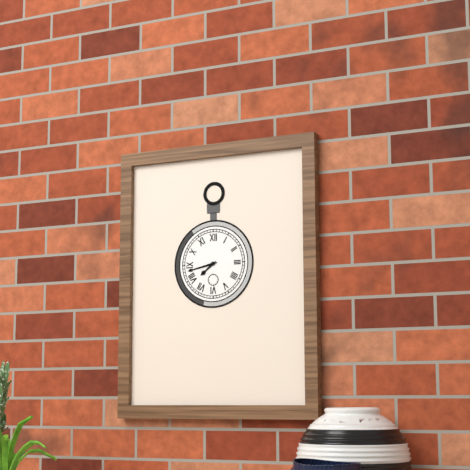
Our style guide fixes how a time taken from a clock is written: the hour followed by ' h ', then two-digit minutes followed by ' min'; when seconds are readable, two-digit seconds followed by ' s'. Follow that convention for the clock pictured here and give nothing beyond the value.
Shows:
7 h 43 min
